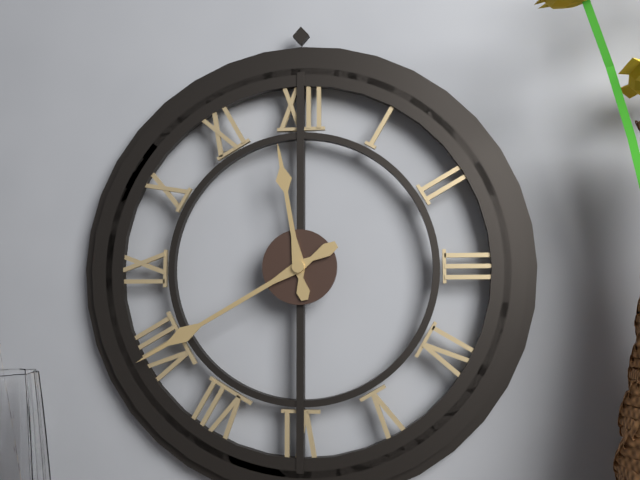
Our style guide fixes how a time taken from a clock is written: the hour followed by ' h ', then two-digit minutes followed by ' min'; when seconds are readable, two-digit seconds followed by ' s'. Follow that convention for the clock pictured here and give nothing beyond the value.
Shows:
11 h 40 min
